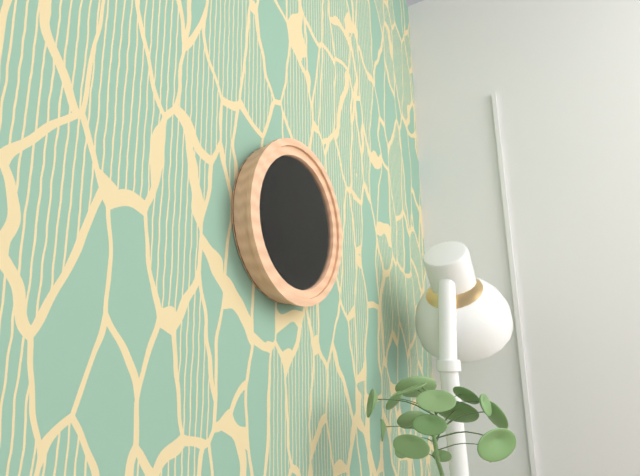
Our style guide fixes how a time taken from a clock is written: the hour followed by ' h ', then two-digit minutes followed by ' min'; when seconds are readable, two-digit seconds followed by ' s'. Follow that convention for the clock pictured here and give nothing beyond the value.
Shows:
11 h 24 min
